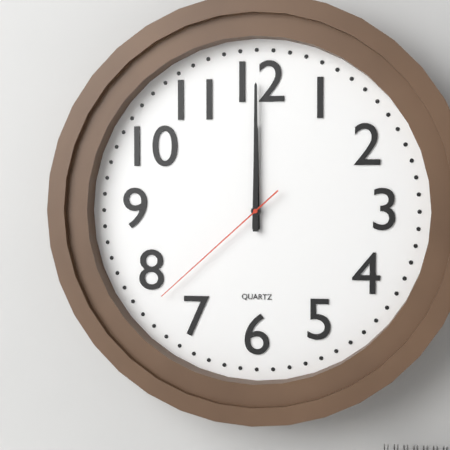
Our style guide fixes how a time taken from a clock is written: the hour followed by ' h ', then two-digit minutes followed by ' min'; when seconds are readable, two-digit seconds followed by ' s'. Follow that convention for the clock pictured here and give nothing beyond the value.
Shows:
12 h 00 min 38 s
